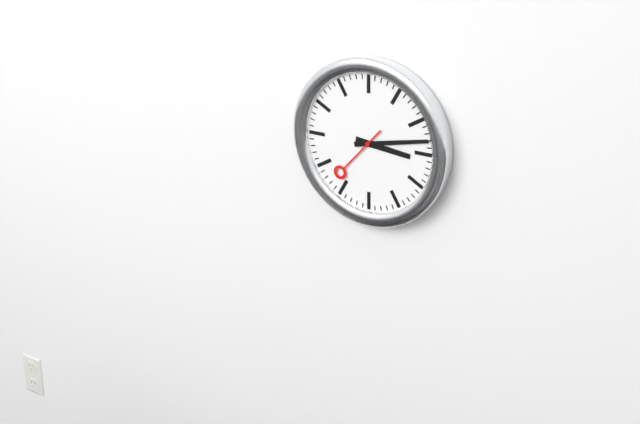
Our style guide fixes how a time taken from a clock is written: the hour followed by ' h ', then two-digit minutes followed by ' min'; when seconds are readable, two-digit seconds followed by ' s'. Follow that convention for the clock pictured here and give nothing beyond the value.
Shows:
3 h 13 min 37 s
